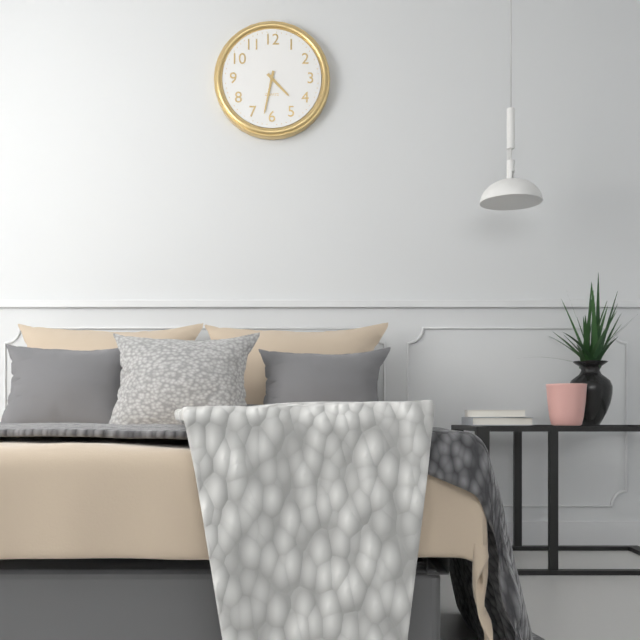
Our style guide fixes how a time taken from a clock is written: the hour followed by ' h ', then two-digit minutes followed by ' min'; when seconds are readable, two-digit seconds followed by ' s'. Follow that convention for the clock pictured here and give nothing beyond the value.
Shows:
4 h 32 min
